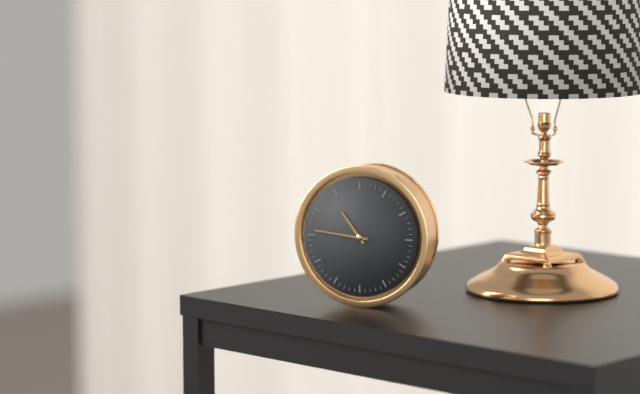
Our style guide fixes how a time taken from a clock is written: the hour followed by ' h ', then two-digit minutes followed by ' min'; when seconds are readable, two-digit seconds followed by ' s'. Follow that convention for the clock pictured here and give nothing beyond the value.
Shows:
10 h 46 min
